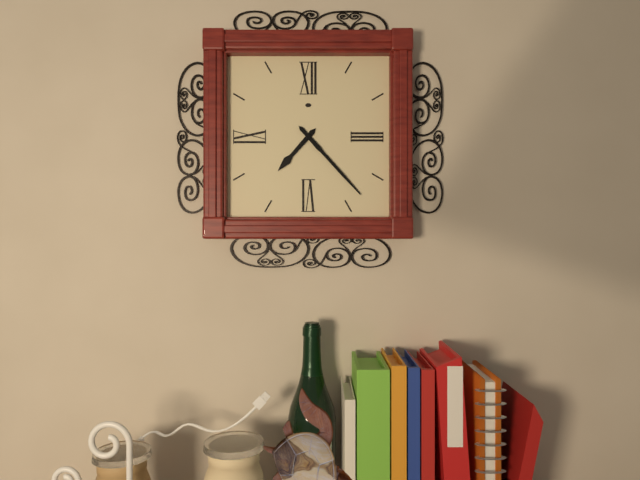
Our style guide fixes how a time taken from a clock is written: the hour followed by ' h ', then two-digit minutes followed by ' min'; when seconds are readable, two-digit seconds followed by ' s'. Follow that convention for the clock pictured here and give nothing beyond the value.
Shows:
7 h 23 min
